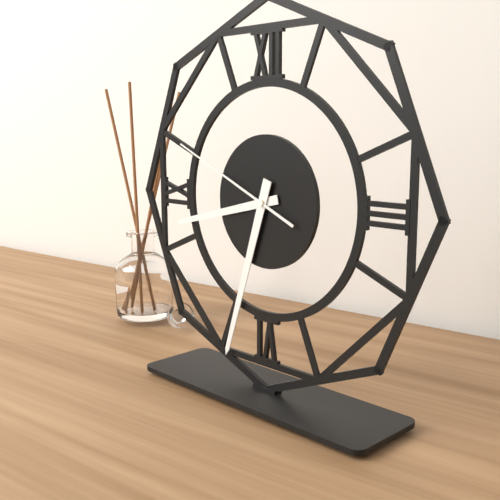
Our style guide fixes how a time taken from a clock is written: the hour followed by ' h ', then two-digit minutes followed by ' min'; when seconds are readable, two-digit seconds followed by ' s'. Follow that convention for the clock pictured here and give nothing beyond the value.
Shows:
8 h 33 min 49 s
